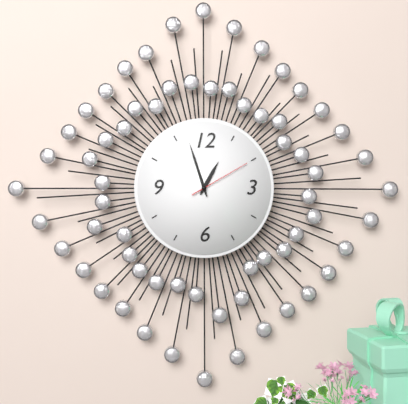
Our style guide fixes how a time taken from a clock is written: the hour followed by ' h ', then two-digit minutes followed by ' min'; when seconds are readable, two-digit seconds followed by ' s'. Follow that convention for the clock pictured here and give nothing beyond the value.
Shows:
12 h 57 min 10 s
